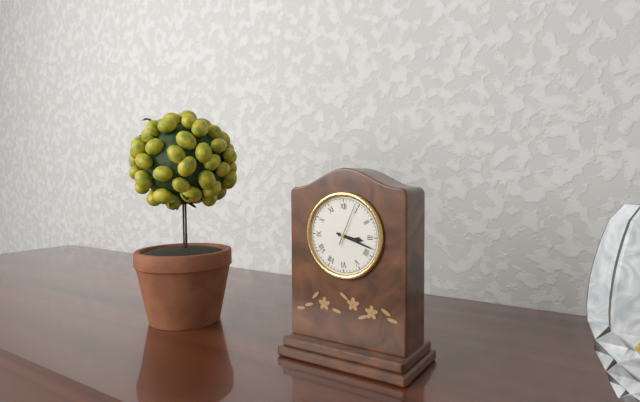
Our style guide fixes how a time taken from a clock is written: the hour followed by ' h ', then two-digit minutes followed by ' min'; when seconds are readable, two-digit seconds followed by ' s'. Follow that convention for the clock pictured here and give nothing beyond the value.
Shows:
3 h 18 min
